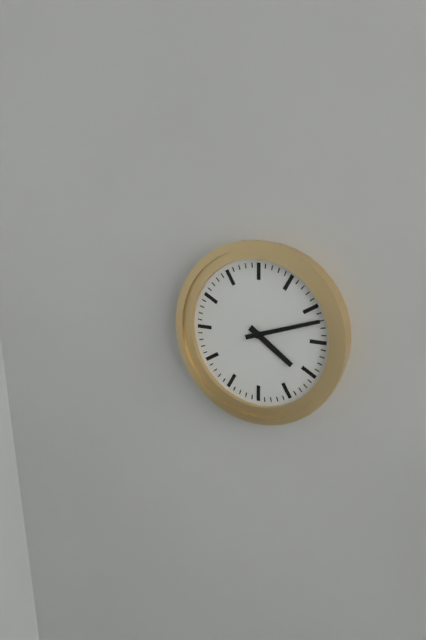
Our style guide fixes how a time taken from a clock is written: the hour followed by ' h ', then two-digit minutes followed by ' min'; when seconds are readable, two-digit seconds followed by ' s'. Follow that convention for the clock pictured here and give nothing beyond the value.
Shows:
4 h 12 min
